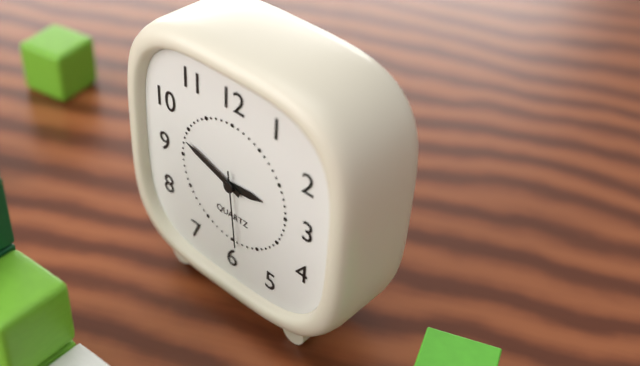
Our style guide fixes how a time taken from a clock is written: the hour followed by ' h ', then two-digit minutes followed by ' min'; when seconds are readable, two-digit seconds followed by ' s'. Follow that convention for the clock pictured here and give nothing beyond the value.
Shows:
2 h 48 min 29 s
